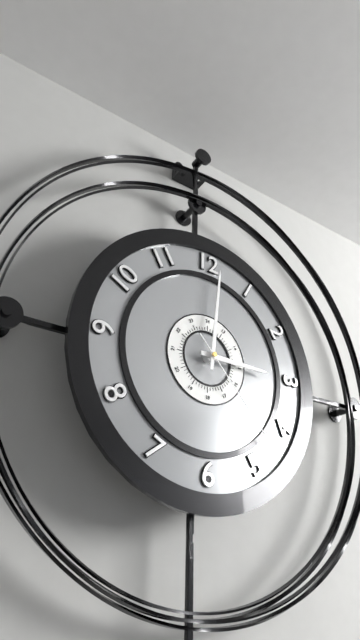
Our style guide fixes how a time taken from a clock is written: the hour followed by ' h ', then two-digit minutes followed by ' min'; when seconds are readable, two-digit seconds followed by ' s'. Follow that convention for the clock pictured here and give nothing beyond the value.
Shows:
3 h 01 min 23 s
